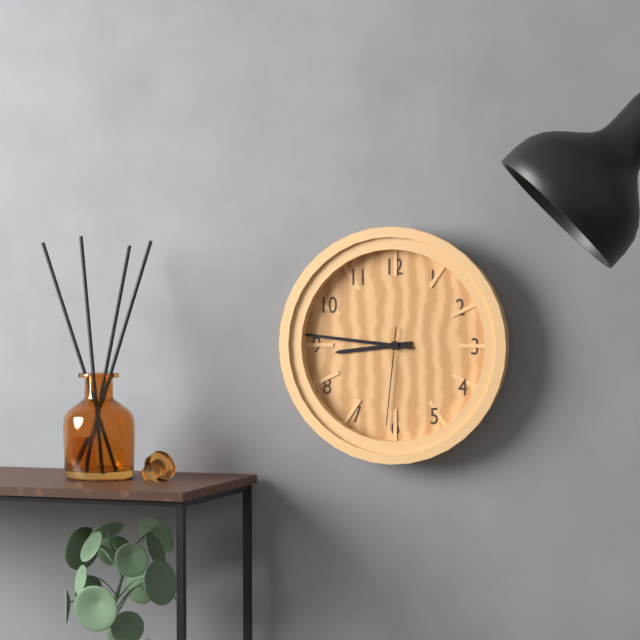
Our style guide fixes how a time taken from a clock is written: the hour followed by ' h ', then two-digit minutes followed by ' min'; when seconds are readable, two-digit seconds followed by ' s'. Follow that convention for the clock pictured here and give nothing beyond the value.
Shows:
8 h 46 min 31 s
